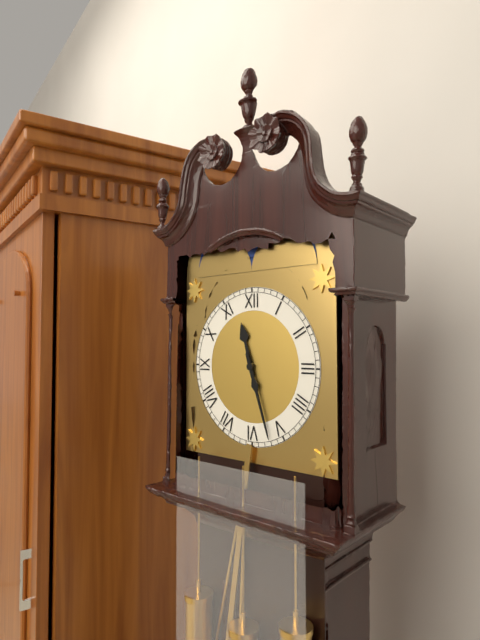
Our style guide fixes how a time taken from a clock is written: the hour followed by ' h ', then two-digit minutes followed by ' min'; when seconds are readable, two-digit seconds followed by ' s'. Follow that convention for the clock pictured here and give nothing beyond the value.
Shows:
11 h 27 min
